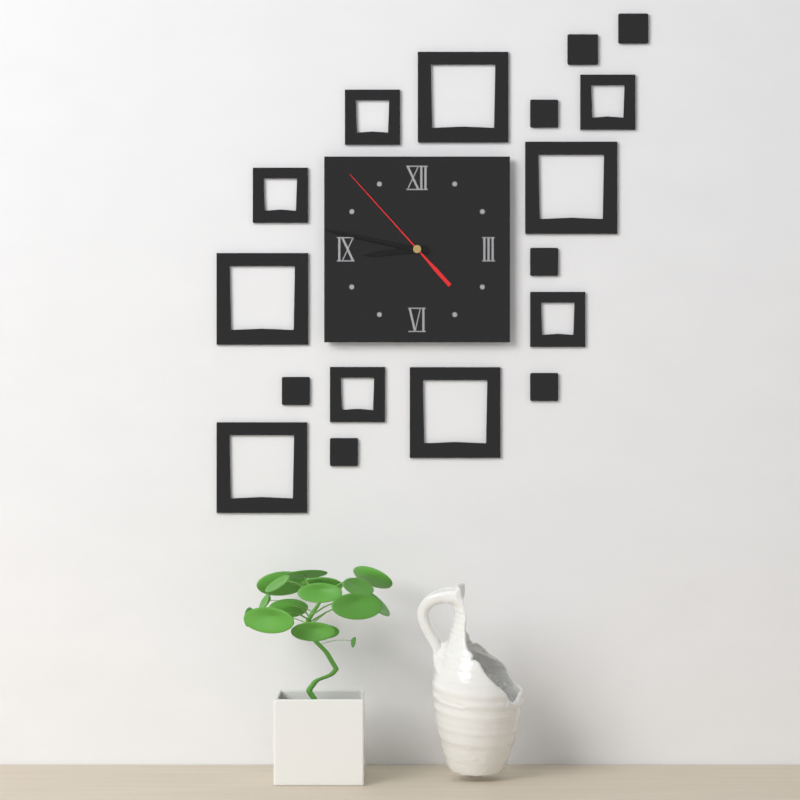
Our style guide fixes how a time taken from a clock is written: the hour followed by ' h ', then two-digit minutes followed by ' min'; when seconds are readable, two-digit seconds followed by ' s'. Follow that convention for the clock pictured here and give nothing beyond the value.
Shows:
8 h 47 min 53 s
